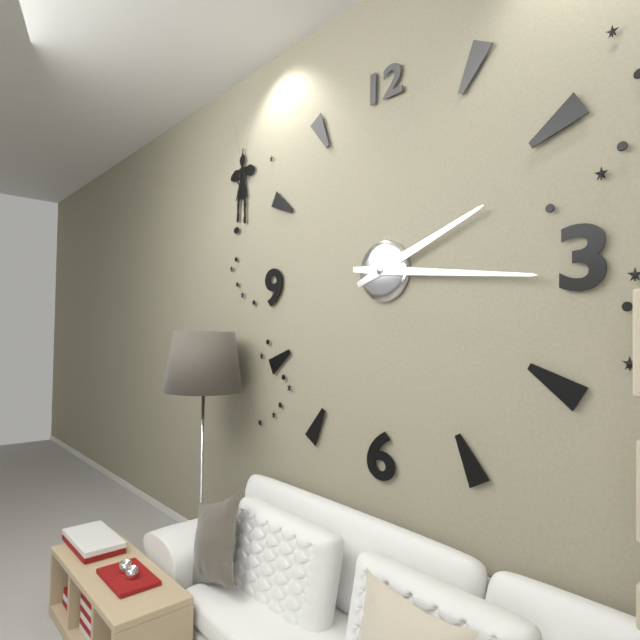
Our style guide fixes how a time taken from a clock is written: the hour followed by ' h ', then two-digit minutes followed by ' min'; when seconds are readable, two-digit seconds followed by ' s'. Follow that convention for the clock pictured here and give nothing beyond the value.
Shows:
2 h 16 min
